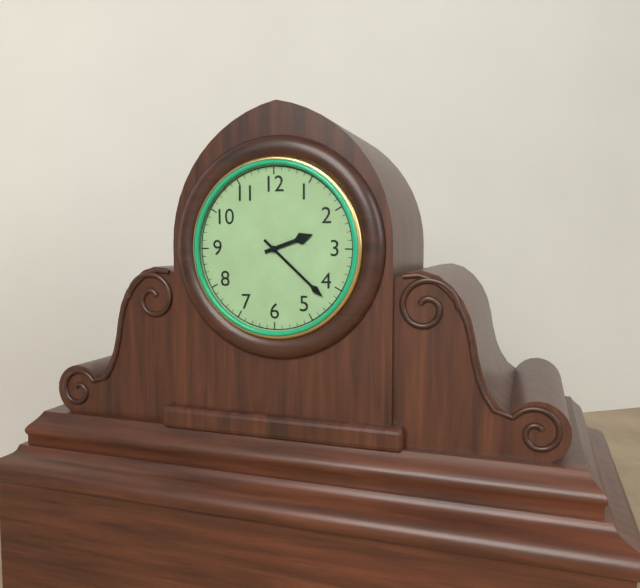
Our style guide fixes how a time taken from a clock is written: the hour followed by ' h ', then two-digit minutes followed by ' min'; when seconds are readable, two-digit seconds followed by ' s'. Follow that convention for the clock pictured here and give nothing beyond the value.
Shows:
2 h 22 min
